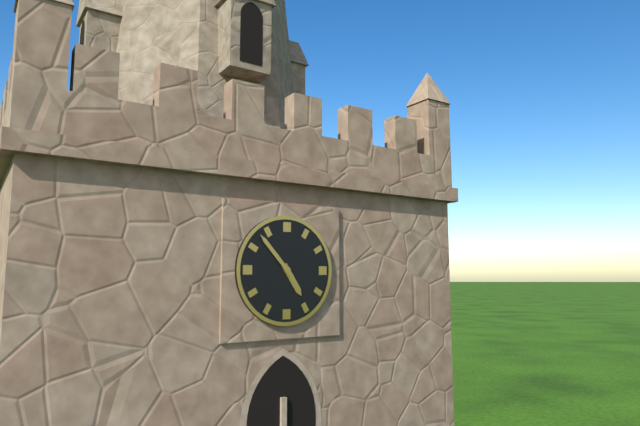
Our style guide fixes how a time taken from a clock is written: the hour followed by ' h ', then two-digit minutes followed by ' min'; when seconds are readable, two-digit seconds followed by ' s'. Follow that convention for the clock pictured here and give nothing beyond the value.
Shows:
4 h 53 min
